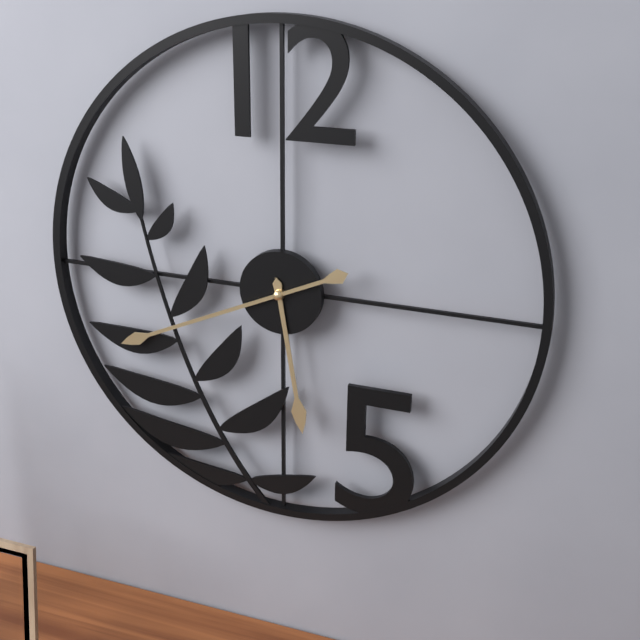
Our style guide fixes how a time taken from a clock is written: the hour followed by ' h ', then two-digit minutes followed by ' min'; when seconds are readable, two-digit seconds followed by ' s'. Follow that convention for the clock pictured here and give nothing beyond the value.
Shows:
5 h 41 min
